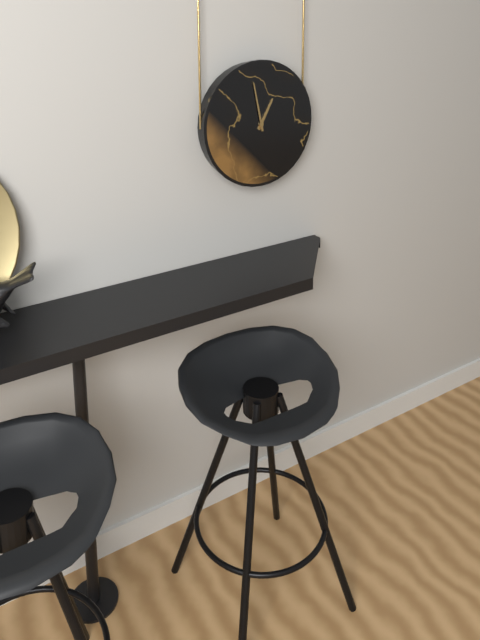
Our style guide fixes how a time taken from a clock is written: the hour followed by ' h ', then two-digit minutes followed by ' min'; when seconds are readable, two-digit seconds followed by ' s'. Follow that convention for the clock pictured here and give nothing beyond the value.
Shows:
12 h 58 min
